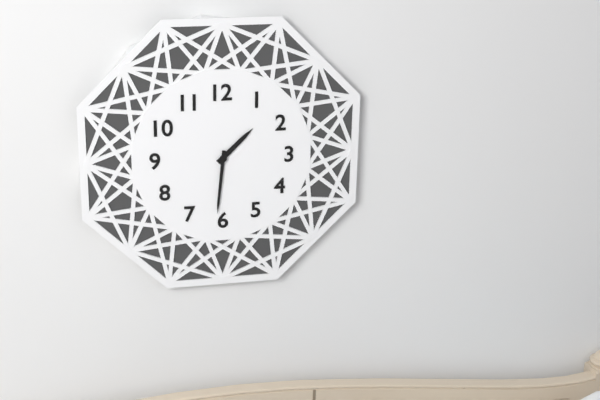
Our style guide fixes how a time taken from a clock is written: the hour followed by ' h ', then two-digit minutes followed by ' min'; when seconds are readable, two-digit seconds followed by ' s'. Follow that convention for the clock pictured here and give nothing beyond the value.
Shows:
1 h 31 min
